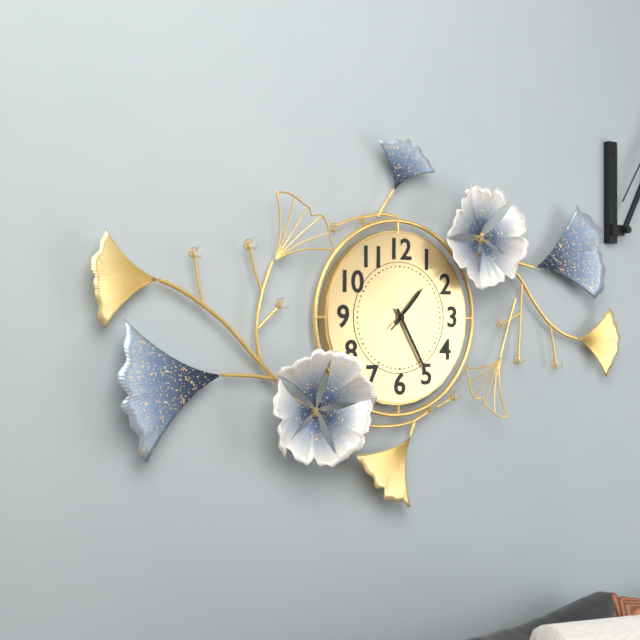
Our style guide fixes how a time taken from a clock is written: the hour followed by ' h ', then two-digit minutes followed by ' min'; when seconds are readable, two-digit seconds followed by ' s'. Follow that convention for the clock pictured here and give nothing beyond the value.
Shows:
1 h 25 min 08 s
